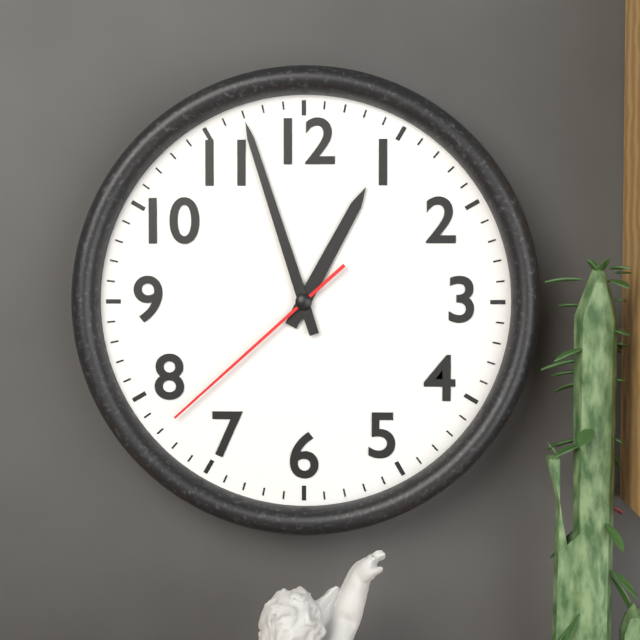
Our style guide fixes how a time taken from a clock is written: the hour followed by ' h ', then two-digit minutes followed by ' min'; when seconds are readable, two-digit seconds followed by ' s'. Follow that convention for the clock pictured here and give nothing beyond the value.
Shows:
12 h 57 min 38 s
